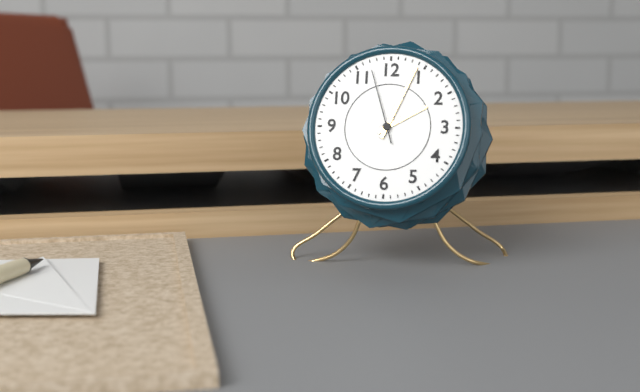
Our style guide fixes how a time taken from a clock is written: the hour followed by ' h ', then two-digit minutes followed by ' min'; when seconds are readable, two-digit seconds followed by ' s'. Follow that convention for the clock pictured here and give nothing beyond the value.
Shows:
2 h 04 min 57 s
